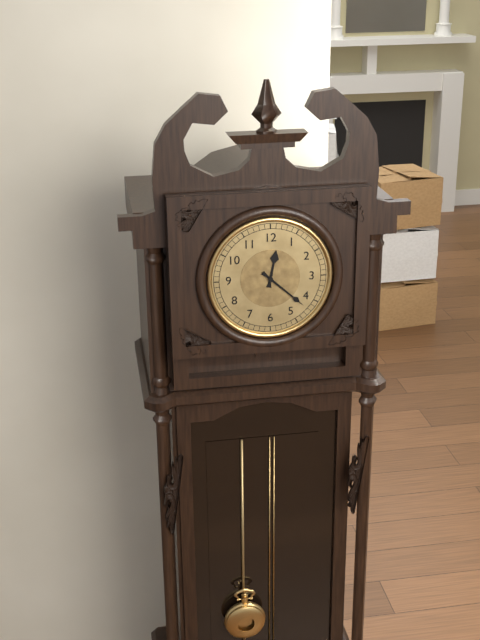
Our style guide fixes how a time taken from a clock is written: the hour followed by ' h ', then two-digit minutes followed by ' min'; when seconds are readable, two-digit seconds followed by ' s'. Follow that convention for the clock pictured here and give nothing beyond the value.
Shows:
12 h 22 min
